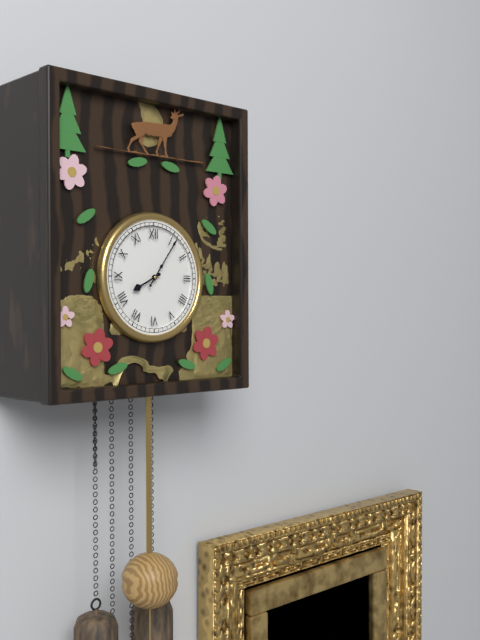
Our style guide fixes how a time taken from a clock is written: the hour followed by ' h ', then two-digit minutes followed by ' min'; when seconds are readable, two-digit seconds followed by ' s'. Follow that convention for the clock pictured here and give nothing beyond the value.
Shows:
8 h 06 min
